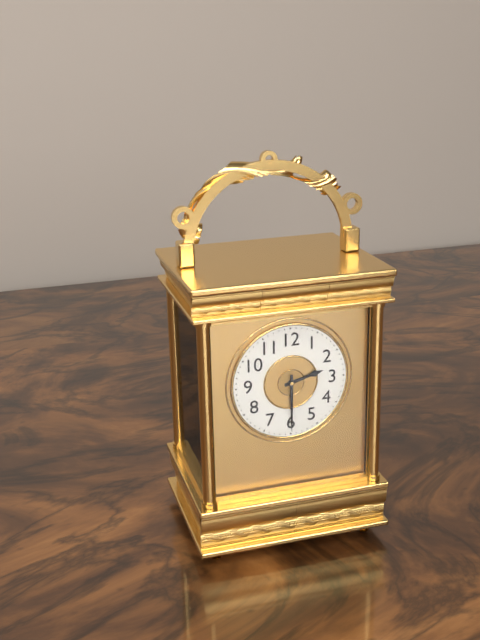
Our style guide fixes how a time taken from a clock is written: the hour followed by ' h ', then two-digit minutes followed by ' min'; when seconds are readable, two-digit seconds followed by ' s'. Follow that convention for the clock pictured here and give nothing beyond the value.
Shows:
2 h 30 min
